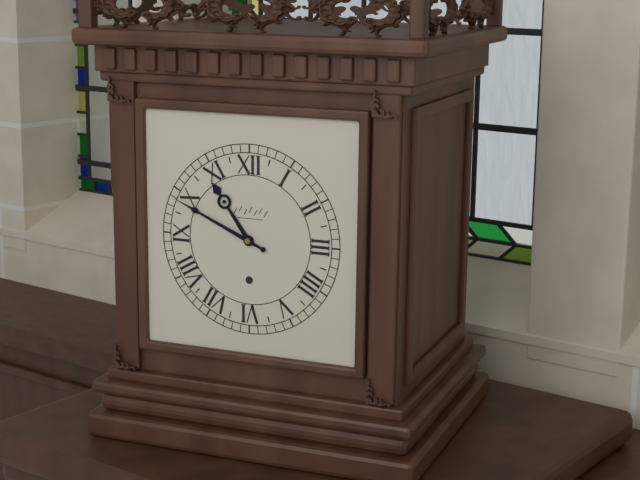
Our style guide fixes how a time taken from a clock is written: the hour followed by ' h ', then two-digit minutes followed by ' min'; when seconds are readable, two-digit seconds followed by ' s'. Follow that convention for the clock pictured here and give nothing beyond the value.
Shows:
10 h 49 min
